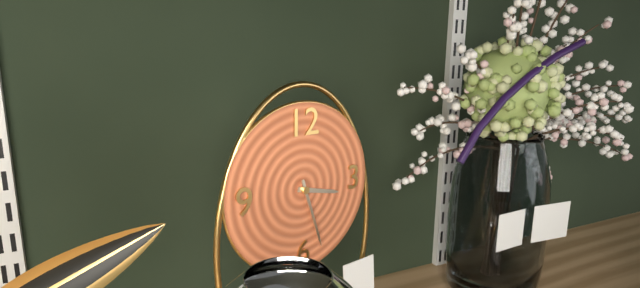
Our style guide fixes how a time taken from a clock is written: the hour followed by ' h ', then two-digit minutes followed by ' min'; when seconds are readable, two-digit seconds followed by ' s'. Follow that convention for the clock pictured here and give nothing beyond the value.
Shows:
3 h 27 min
